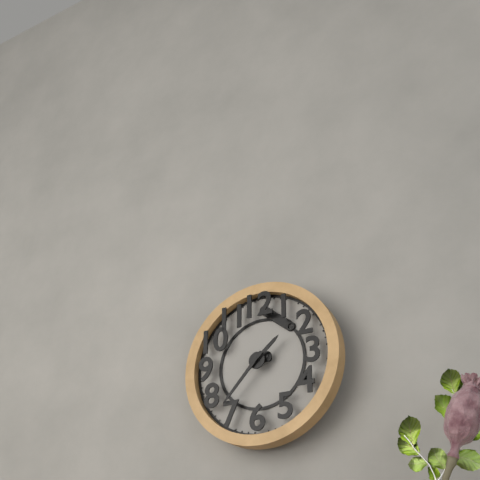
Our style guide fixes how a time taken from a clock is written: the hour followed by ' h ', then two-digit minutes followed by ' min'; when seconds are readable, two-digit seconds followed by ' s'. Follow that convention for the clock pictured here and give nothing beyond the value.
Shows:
1 h 37 min
